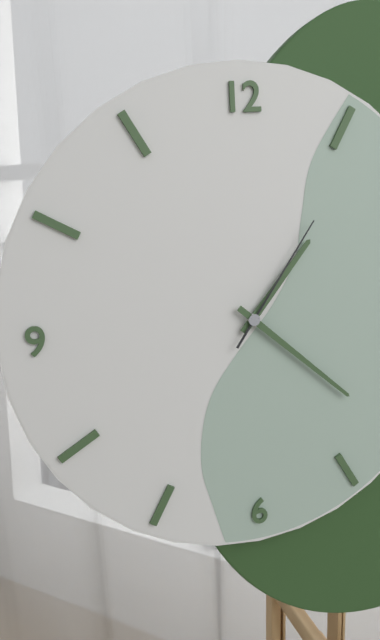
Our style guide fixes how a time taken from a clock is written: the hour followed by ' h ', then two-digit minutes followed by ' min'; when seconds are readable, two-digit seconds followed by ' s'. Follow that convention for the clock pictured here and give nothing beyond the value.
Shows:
1 h 22 min 06 s
